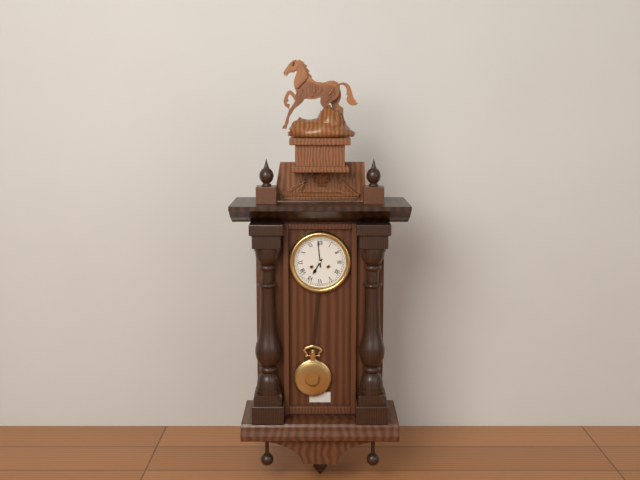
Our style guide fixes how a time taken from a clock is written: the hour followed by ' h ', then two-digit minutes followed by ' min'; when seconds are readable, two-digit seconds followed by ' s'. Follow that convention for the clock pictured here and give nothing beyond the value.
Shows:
6 h 59 min
